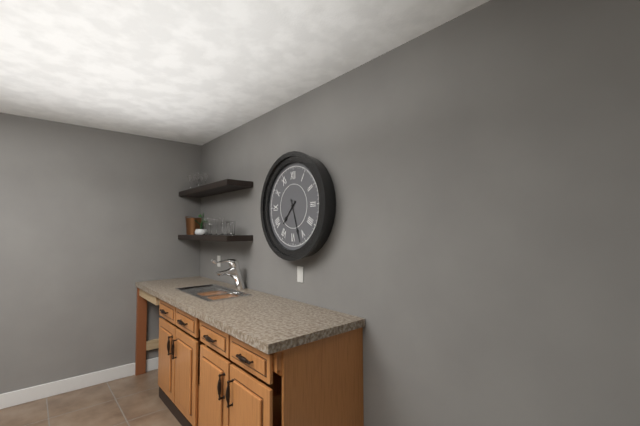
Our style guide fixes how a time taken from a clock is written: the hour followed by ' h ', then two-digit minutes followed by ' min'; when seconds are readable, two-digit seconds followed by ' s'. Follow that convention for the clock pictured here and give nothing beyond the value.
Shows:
7 h 27 min
